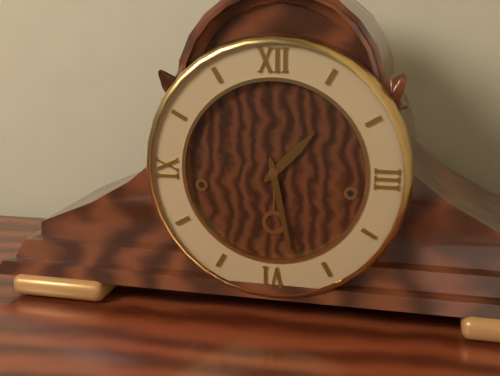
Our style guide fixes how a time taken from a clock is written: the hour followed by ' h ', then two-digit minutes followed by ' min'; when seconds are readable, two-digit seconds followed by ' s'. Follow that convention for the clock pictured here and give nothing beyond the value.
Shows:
1 h 28 min
